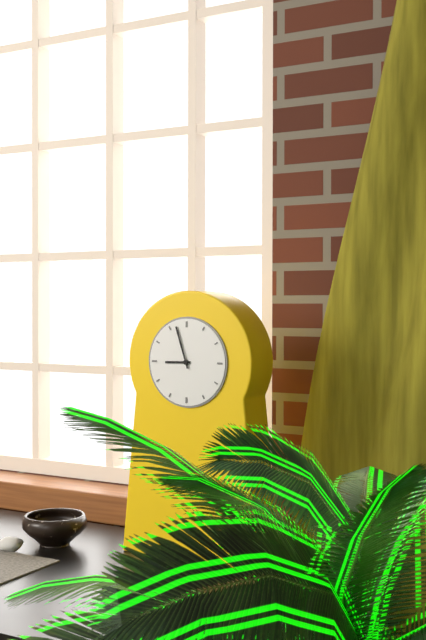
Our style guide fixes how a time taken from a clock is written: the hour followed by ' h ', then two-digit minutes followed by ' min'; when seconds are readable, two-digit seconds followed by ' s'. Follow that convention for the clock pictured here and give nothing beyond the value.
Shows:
8 h 57 min
